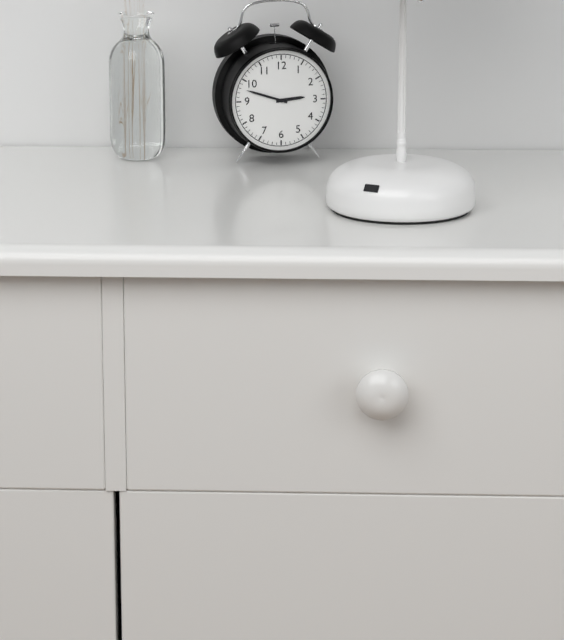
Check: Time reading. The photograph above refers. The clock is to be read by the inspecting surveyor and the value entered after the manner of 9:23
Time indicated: 2:48
